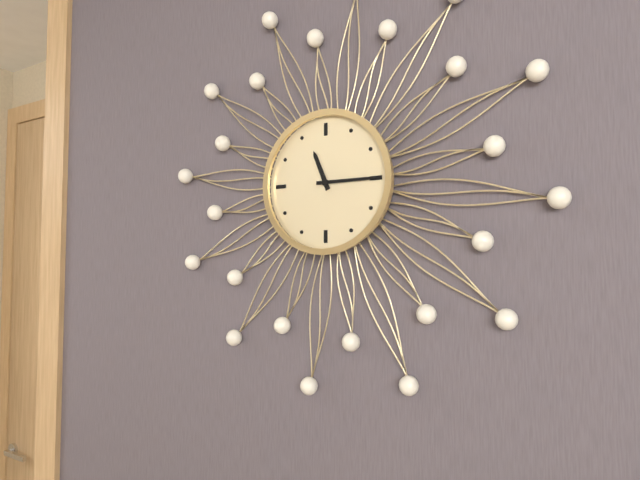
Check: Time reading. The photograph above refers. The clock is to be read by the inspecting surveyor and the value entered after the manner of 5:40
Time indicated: 11:15
